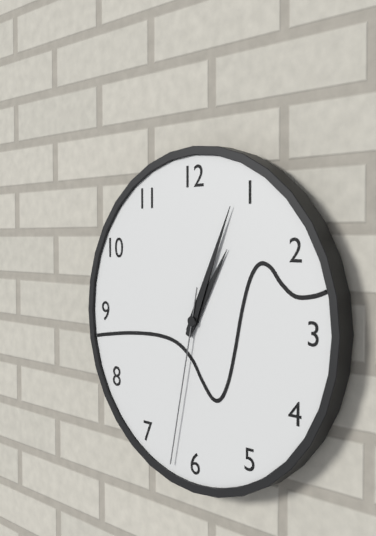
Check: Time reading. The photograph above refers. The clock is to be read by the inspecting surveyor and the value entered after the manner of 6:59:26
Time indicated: 1:04:32
